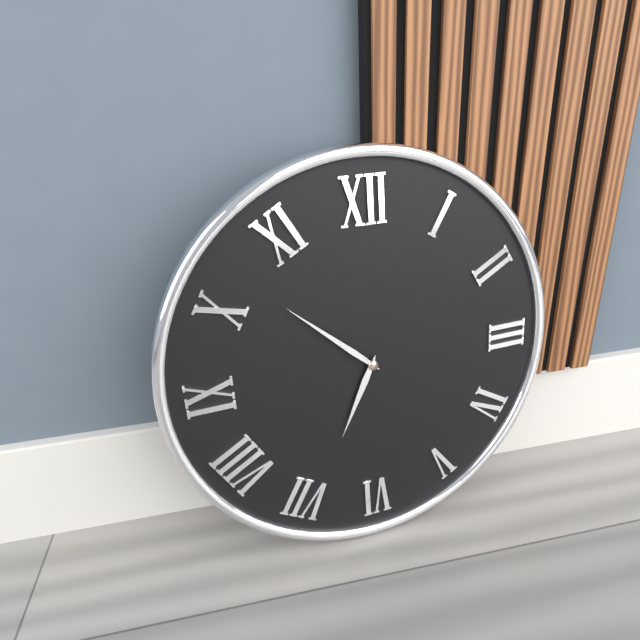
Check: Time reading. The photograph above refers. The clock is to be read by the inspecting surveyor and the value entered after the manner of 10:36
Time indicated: 6:52
